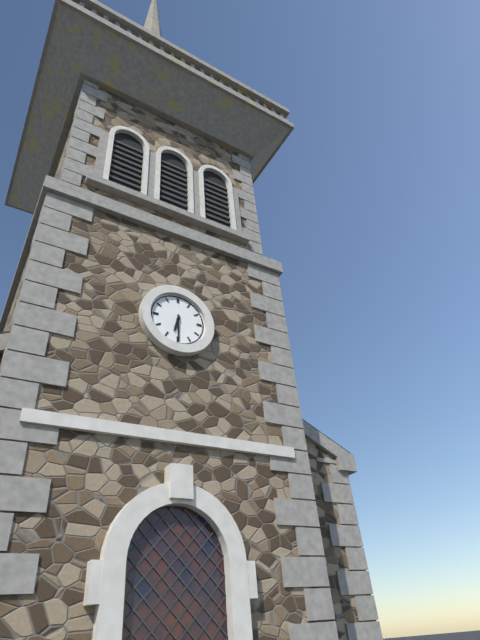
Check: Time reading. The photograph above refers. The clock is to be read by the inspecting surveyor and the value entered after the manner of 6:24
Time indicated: 6:30
